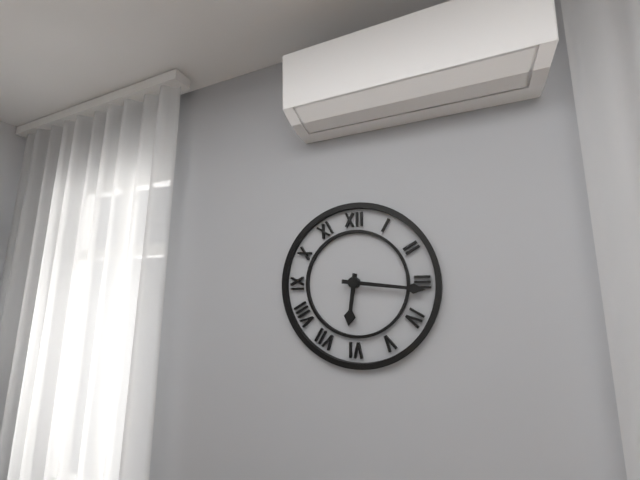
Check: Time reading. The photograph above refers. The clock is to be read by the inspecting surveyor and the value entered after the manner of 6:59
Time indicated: 6:16
